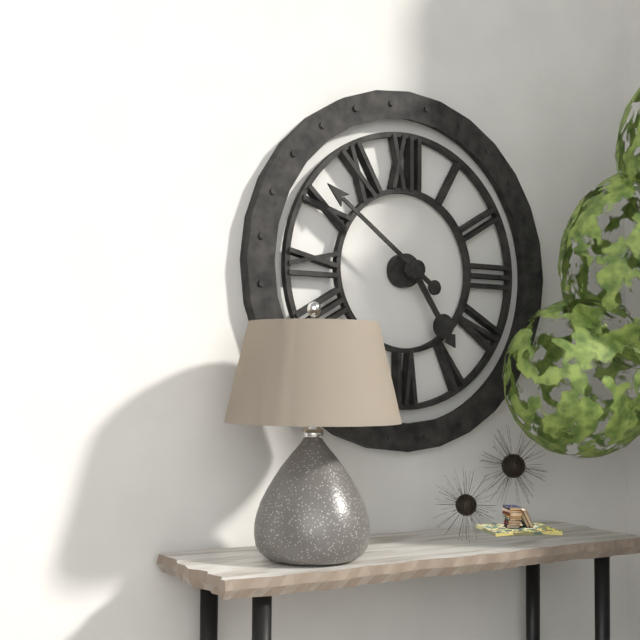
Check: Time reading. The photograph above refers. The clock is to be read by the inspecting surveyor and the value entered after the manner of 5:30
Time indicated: 4:51
